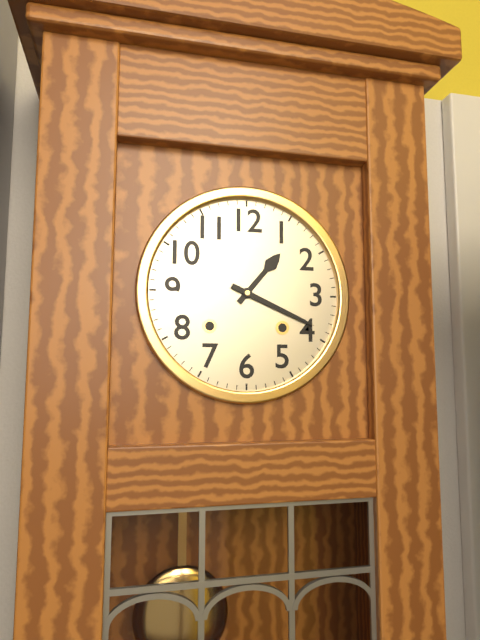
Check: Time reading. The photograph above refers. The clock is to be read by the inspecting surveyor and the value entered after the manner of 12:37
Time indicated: 1:19
